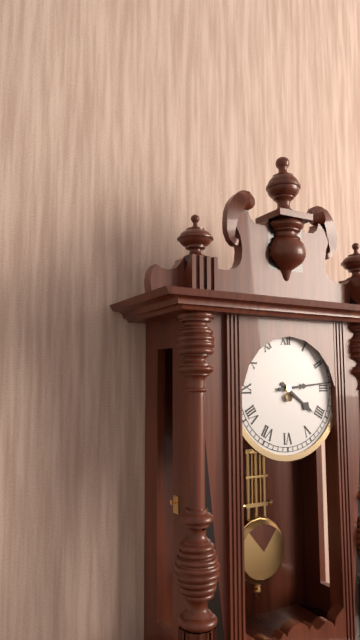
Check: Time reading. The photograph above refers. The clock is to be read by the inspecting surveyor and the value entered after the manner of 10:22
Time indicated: 4:14
